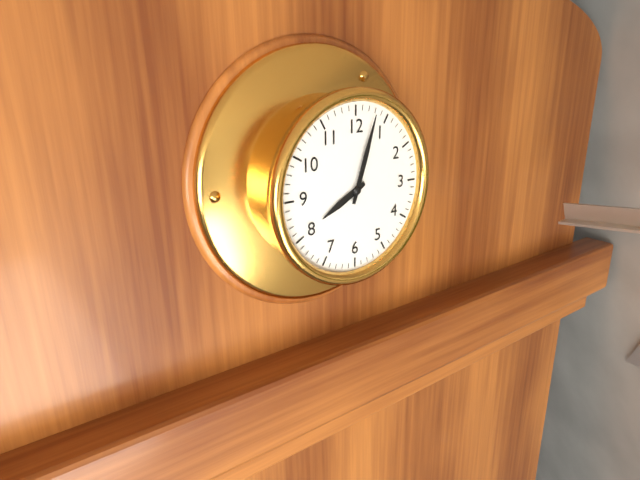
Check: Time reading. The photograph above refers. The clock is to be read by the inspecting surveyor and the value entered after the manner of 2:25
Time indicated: 8:03
